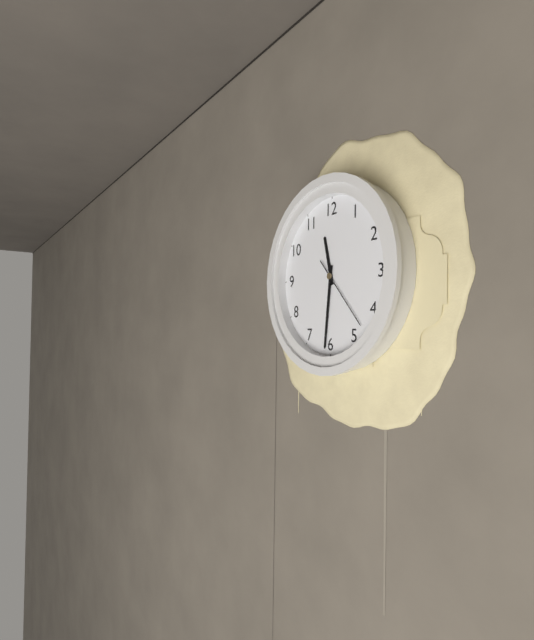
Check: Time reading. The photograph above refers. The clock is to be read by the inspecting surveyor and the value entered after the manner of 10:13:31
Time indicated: 11:31:23
